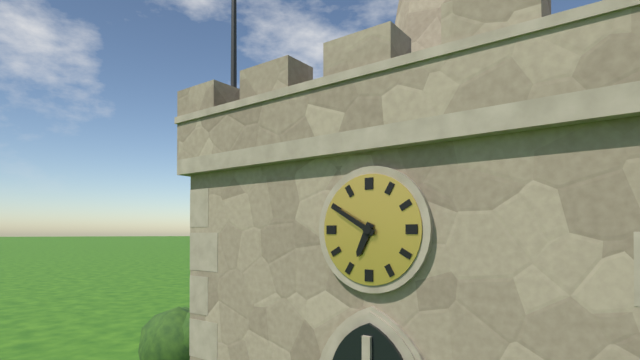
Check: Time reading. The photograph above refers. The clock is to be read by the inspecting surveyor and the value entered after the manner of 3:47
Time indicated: 6:50
